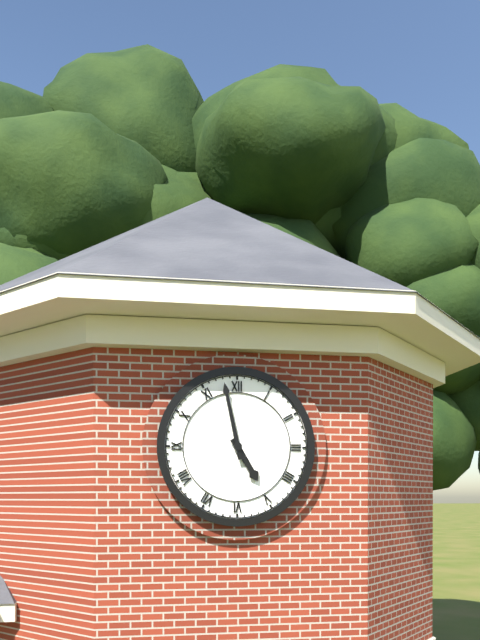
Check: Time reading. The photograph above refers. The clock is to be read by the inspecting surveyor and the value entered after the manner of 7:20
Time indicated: 4:58
